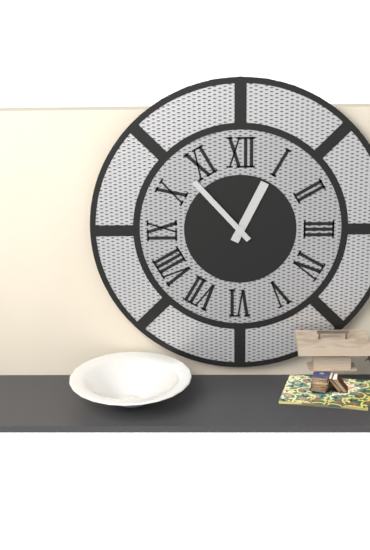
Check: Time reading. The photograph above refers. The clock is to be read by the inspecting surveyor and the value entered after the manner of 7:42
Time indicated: 12:53
